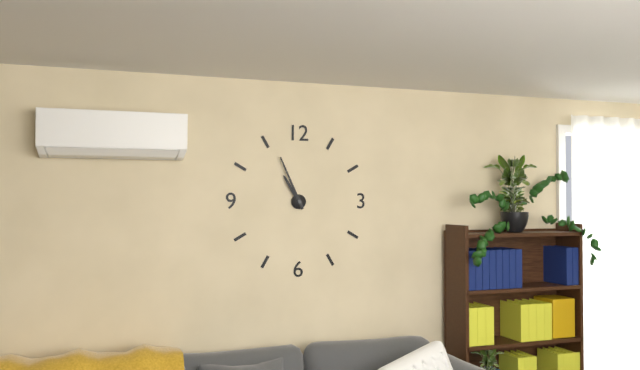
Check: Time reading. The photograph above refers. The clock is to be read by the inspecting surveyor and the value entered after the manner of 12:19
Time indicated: 10:56
